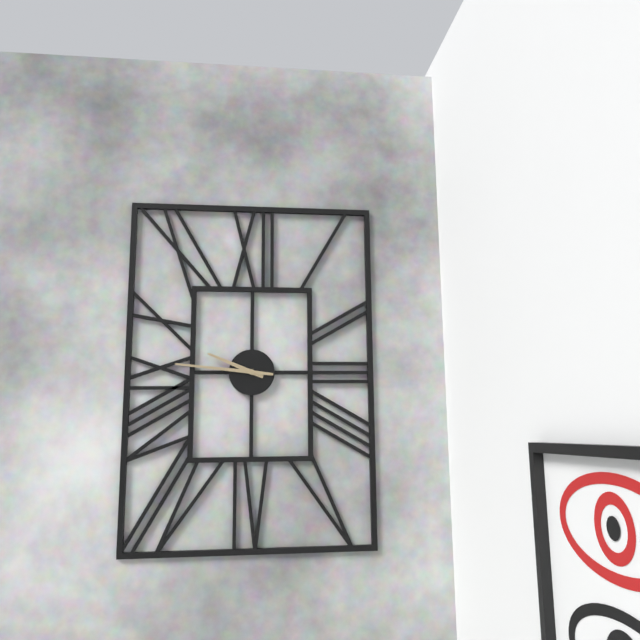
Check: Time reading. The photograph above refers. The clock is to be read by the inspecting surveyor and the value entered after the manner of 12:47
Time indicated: 9:46
